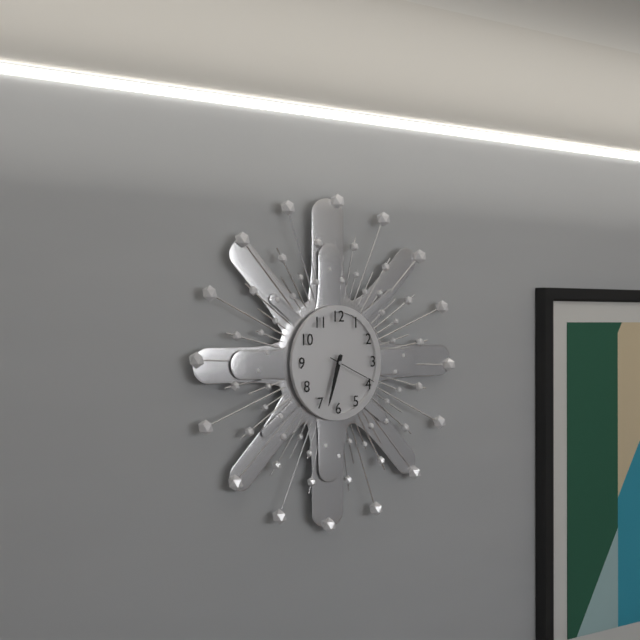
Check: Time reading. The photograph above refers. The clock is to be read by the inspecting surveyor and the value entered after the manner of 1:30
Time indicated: 6:33
